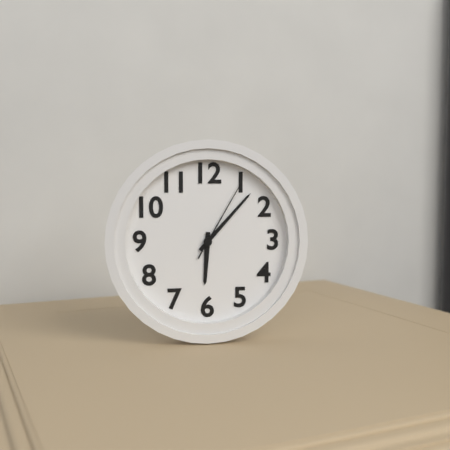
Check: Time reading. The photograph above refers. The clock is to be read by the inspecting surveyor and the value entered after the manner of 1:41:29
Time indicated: 6:07:05
